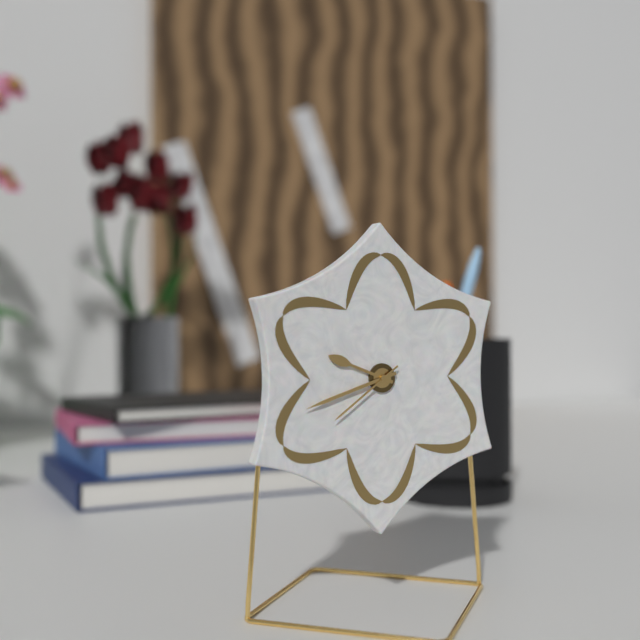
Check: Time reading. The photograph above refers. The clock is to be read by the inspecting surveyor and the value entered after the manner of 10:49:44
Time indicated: 9:42:39
